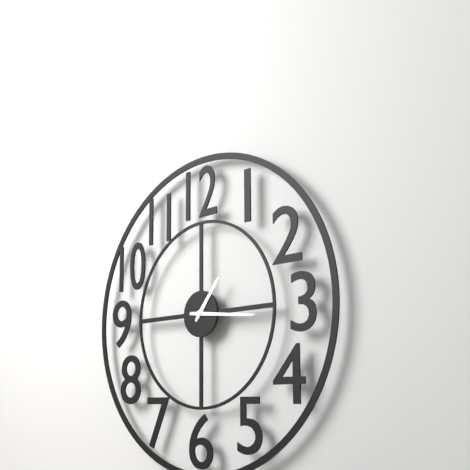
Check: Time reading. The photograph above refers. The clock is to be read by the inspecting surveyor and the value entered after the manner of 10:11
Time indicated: 1:16
